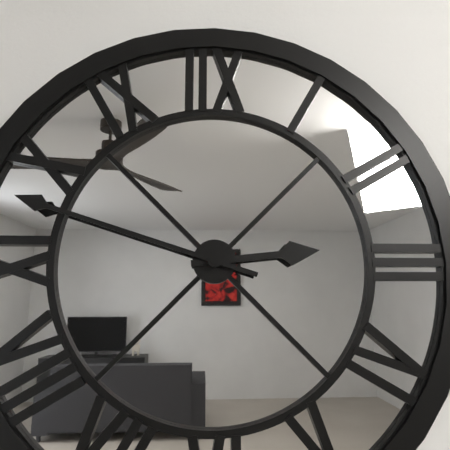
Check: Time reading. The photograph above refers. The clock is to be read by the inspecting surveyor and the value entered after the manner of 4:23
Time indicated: 2:48
